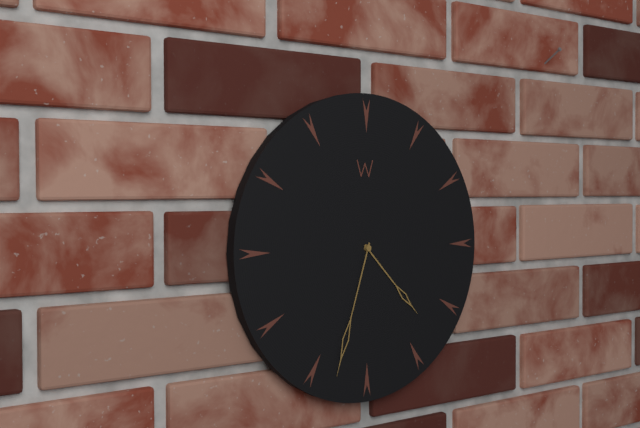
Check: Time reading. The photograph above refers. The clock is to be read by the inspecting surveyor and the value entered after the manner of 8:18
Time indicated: 4:33
